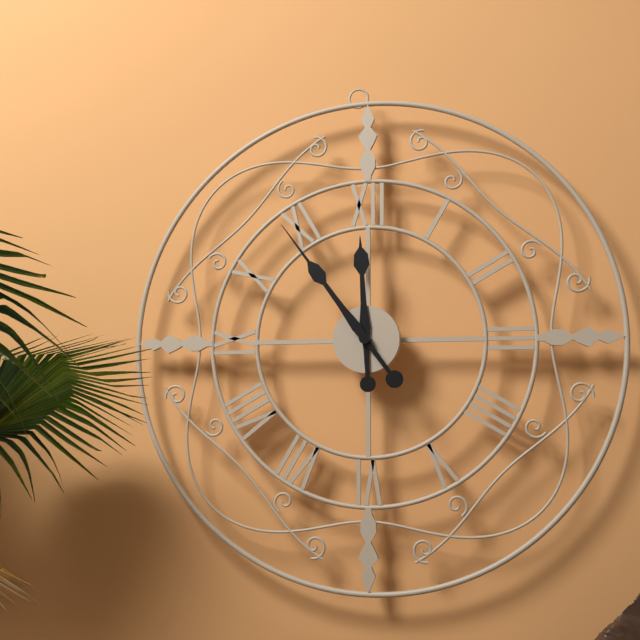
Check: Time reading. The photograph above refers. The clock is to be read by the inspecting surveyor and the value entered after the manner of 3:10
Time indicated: 11:54
